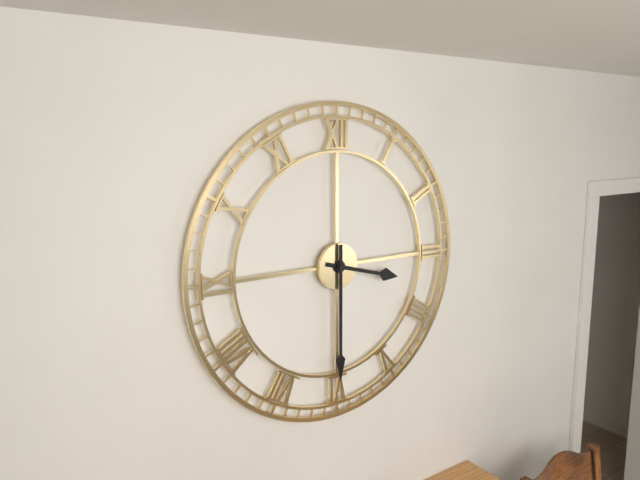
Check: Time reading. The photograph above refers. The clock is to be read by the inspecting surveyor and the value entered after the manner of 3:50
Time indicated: 3:30
